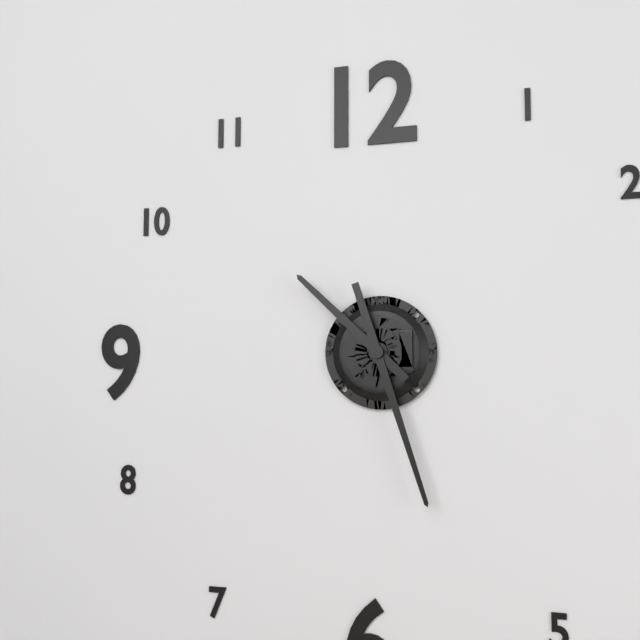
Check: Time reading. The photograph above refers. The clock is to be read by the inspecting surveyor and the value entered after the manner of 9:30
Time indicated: 10:27
